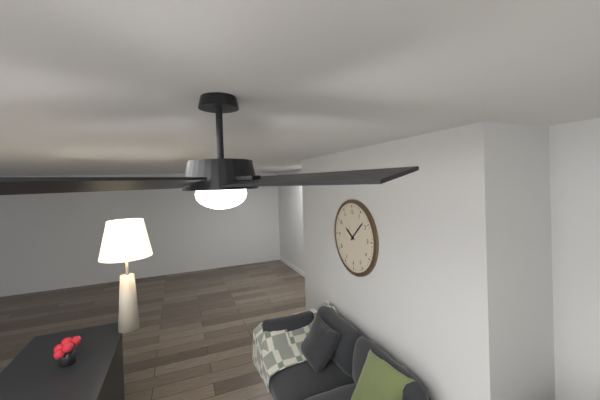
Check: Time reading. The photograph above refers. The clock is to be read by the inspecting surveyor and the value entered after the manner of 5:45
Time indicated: 10:08
